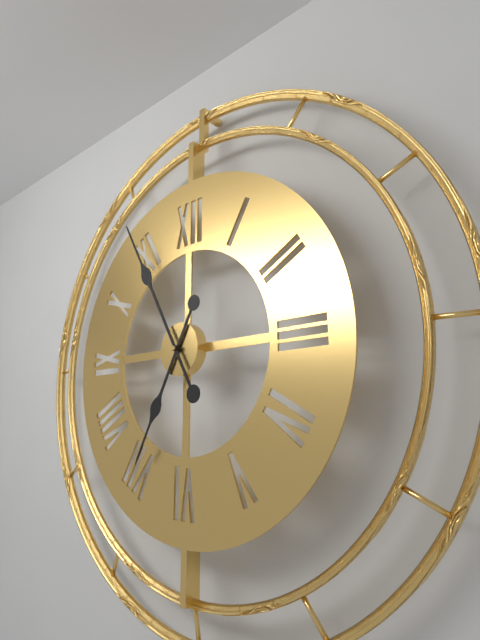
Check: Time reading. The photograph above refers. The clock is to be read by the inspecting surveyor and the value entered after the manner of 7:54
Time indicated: 6:55
